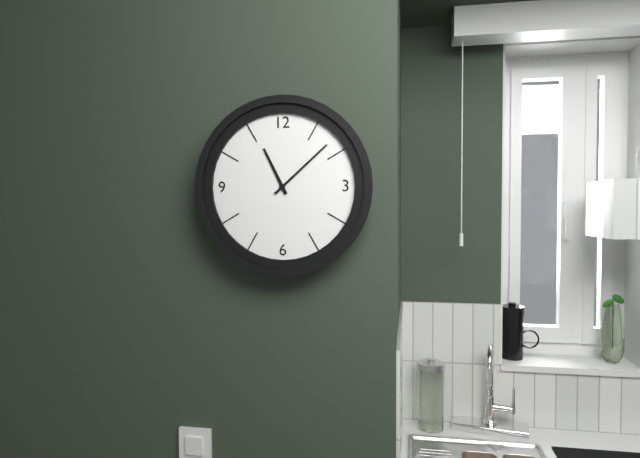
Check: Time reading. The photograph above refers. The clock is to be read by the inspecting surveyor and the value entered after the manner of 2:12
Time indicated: 11:08
